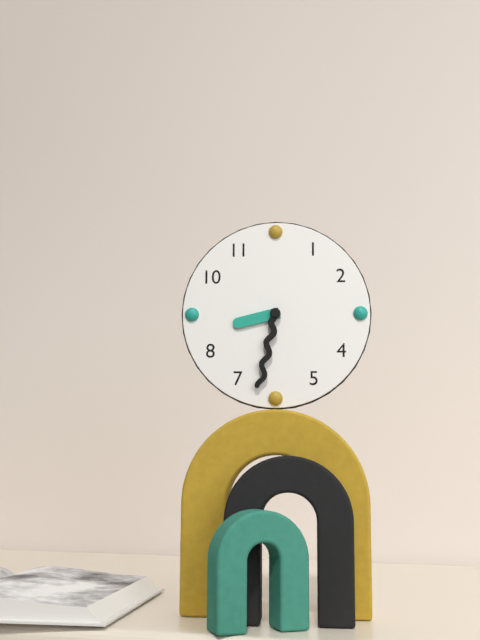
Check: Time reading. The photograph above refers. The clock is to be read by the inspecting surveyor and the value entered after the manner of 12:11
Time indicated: 8:32
